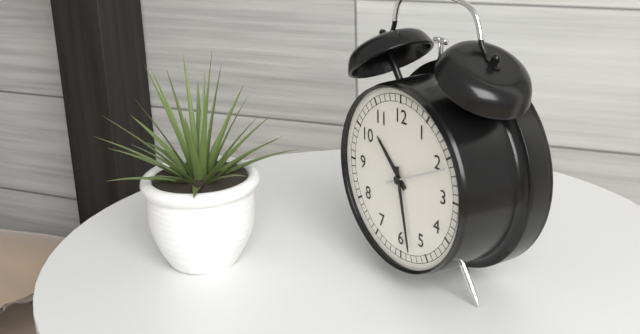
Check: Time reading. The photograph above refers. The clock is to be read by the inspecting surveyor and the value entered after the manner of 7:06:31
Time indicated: 10:28:11
